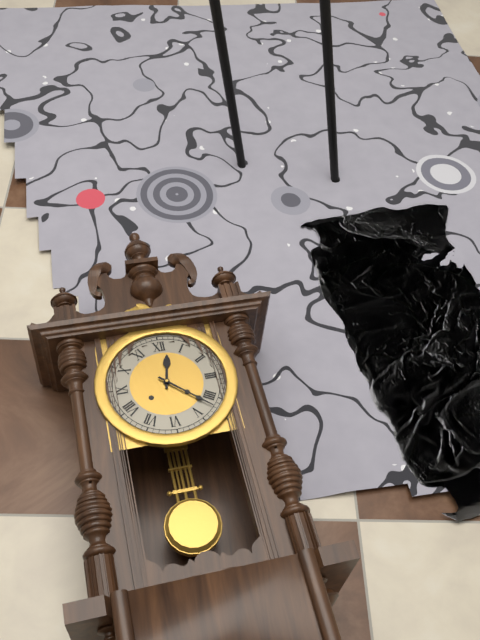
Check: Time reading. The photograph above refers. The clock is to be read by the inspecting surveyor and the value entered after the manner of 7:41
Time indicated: 12:22
